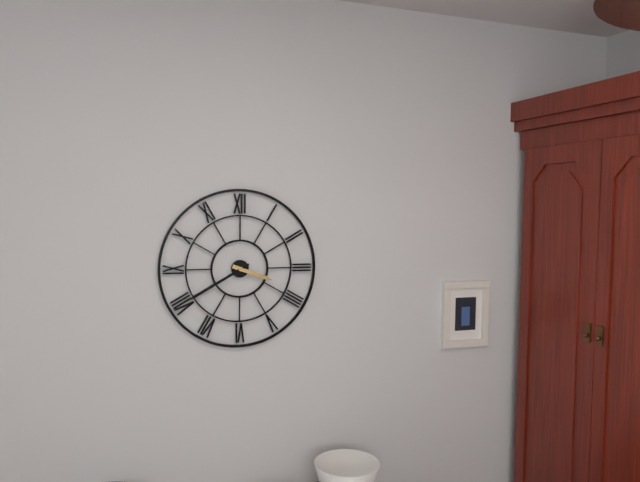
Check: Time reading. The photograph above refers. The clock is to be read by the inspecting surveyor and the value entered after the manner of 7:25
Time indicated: 3:40
